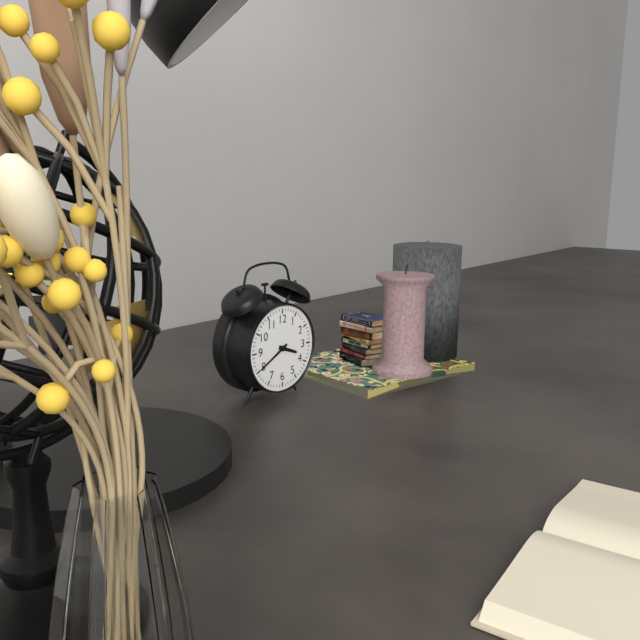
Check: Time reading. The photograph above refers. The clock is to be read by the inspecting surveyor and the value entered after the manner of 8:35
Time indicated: 3:40
